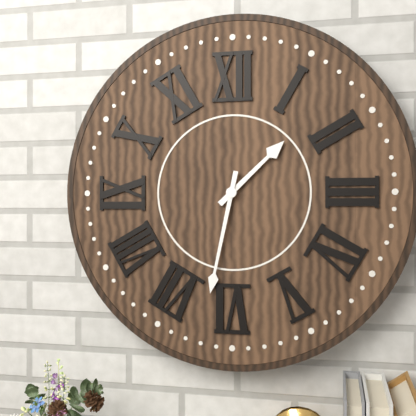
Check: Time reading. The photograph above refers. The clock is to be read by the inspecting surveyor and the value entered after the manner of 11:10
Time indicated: 1:32
